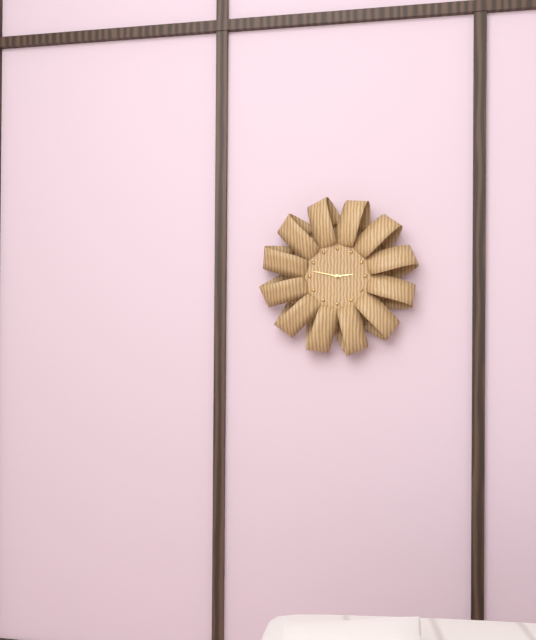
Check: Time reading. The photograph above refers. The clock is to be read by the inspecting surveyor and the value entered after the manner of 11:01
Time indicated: 2:47
